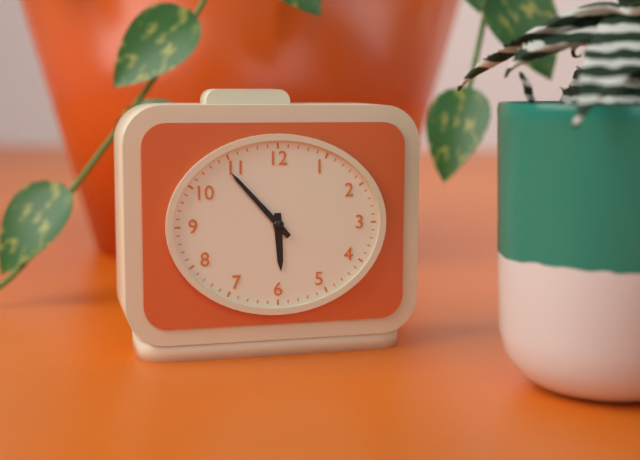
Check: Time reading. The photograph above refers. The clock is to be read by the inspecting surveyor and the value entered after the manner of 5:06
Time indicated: 5:53
